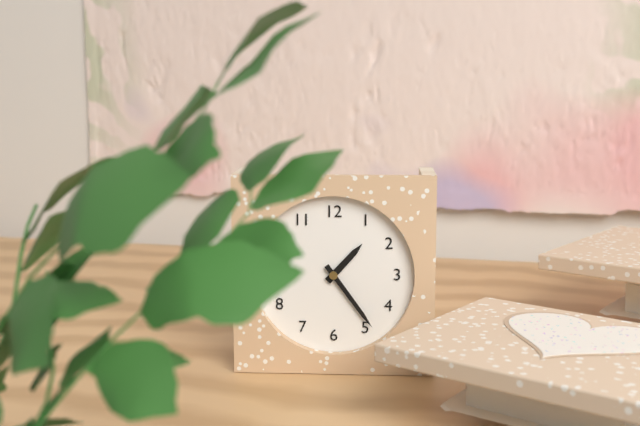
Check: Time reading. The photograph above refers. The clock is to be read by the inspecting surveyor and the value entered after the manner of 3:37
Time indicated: 1:24
